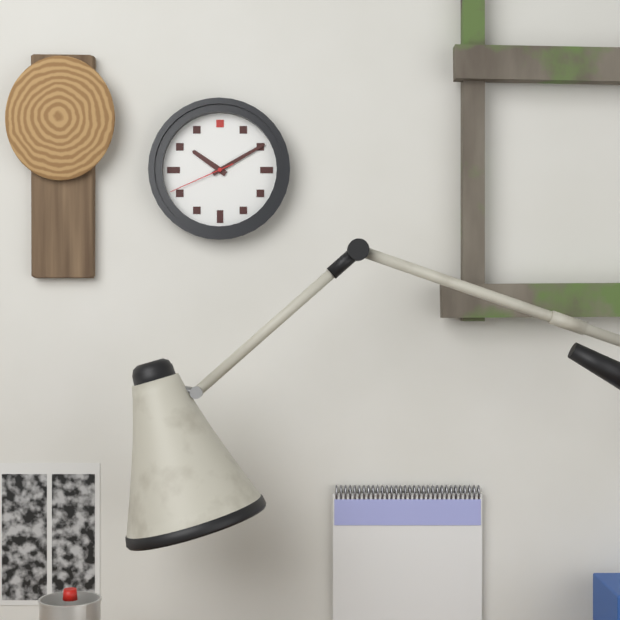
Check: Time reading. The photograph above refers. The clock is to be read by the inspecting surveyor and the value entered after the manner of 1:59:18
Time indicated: 10:10:41
